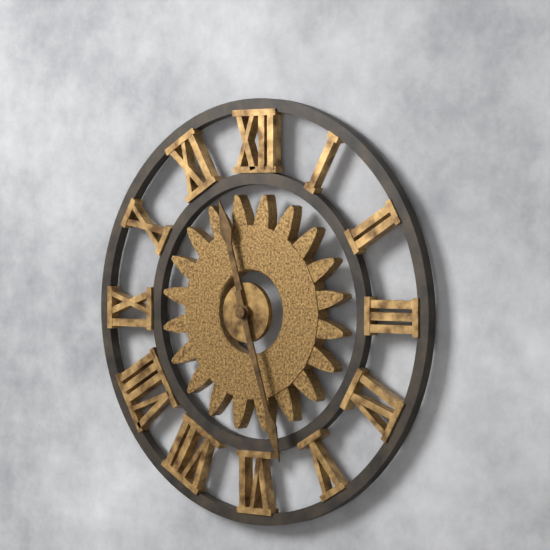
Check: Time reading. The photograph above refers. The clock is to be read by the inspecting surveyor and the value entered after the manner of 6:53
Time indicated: 11:27
